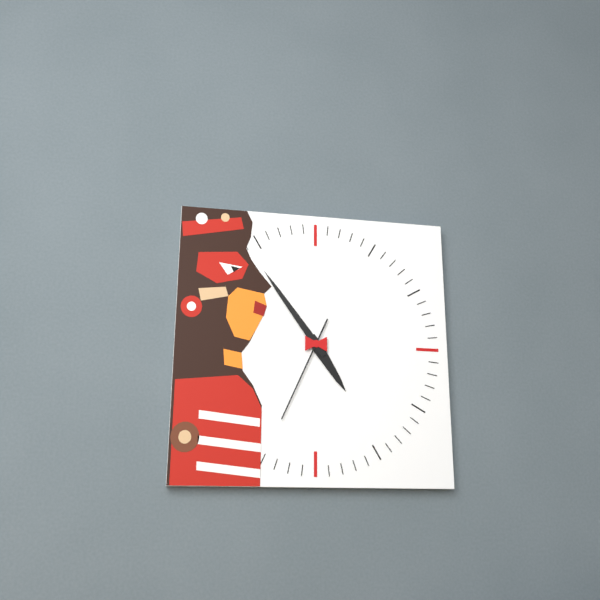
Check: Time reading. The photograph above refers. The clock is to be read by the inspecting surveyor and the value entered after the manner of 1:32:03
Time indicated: 4:54:34
